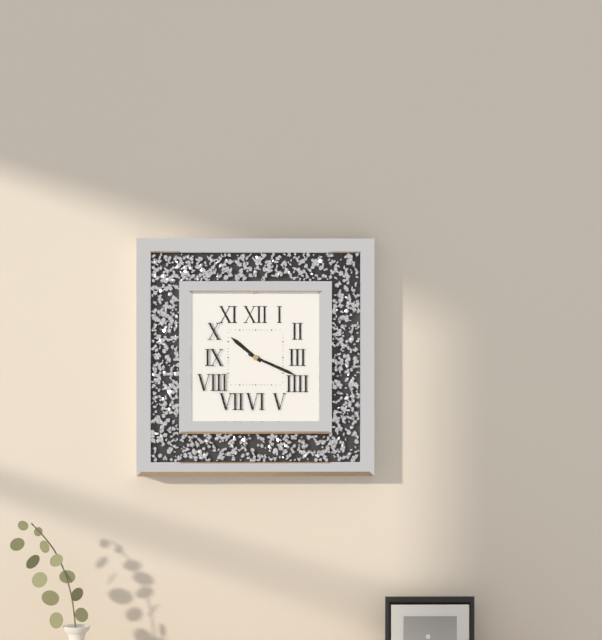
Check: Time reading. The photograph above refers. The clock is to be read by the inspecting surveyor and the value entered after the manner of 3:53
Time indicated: 10:19
